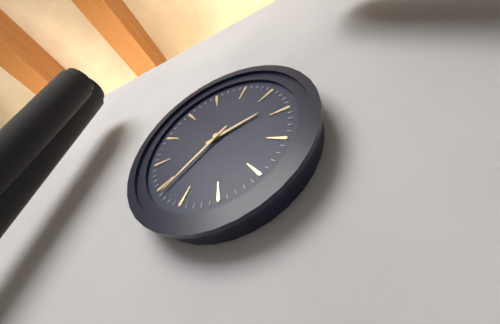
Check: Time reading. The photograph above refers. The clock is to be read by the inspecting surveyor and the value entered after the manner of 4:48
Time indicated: 2:39
